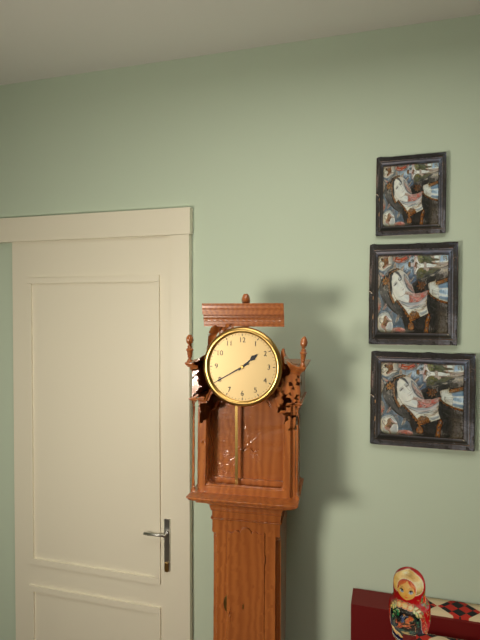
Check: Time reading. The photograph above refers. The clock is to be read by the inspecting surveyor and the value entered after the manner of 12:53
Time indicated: 1:40
